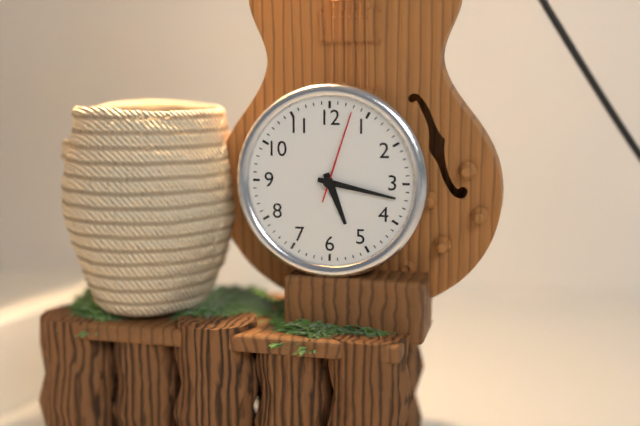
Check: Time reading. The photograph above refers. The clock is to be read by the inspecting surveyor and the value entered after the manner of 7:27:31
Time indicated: 5:17:03
